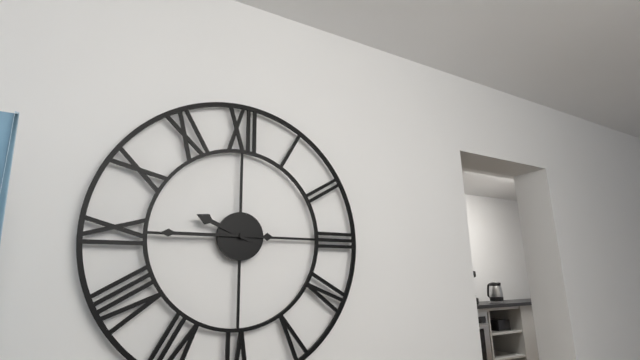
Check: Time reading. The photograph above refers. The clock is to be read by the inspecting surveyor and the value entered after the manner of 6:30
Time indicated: 9:45
